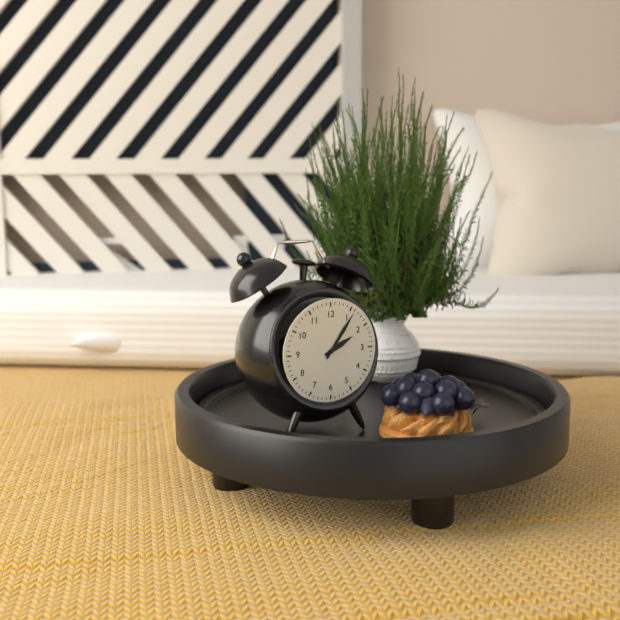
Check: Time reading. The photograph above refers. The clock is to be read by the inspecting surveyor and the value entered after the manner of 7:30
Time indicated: 2:06
